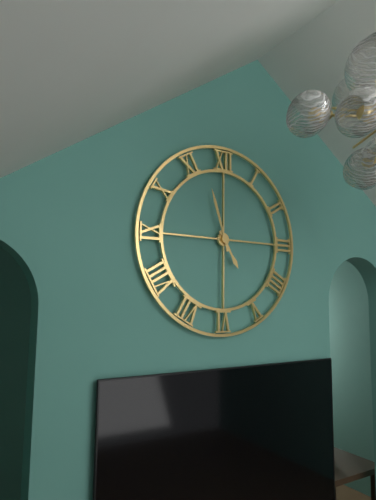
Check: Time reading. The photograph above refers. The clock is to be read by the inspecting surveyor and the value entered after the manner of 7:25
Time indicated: 4:57
